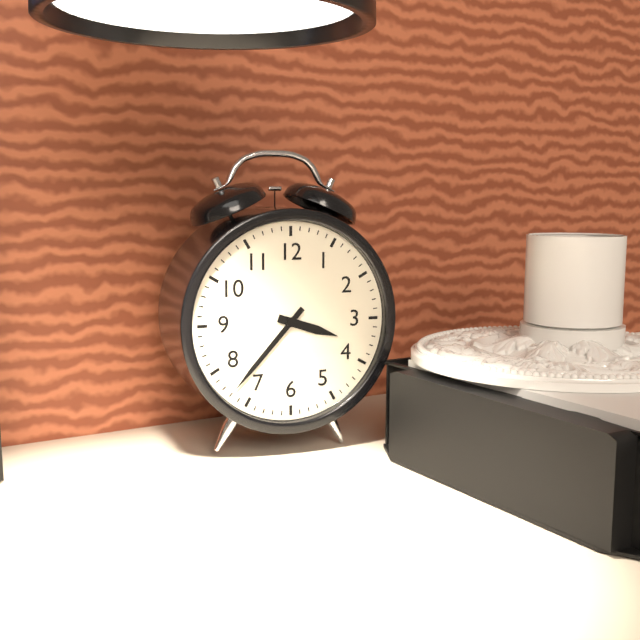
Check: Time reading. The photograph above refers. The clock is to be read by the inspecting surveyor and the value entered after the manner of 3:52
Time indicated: 3:37
